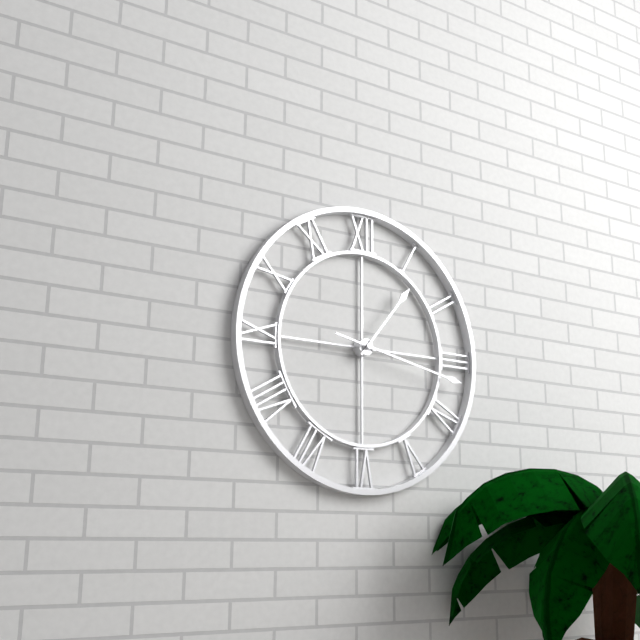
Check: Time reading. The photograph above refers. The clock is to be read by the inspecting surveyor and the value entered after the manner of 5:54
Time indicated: 1:17
